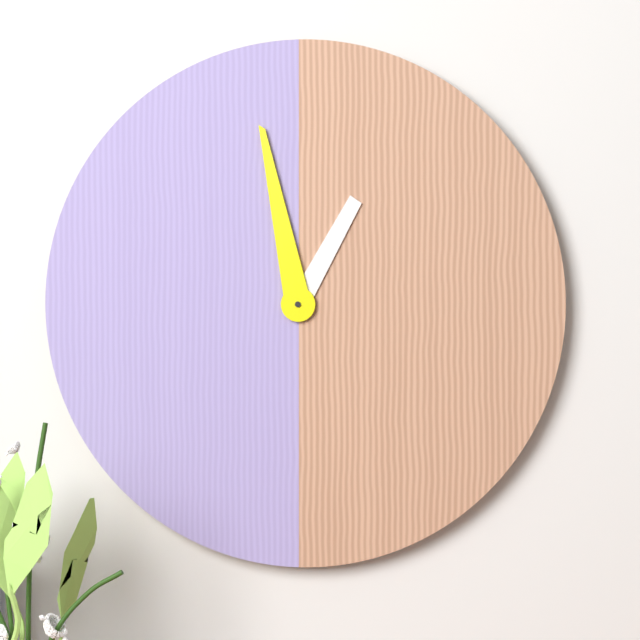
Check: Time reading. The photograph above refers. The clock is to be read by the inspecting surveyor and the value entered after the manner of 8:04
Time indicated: 12:58
